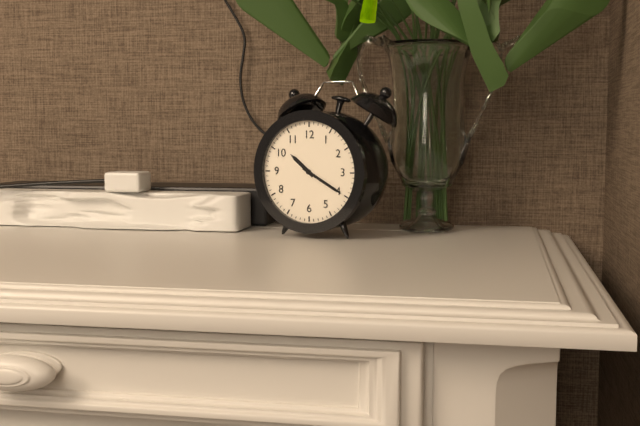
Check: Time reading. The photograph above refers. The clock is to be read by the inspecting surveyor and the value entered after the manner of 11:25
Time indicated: 10:20
